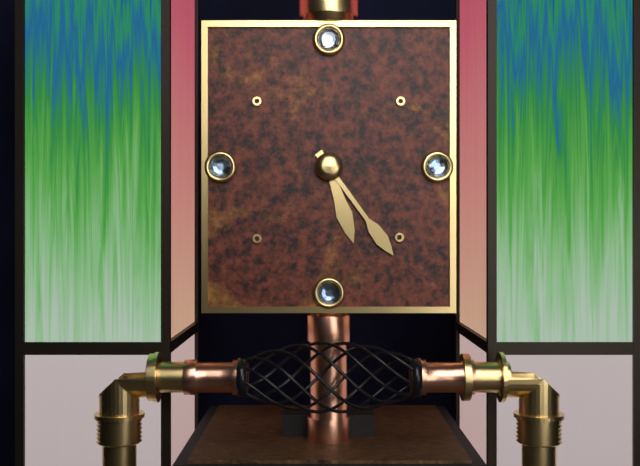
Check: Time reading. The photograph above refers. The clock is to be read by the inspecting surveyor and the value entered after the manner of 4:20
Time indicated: 5:24
